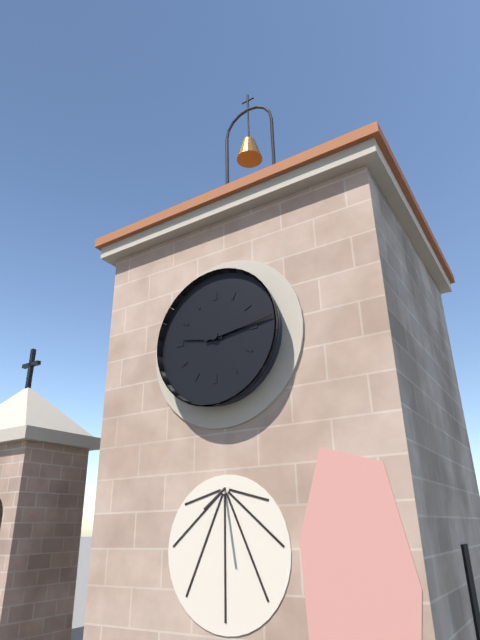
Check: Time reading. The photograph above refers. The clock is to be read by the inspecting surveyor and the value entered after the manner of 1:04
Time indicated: 9:14
